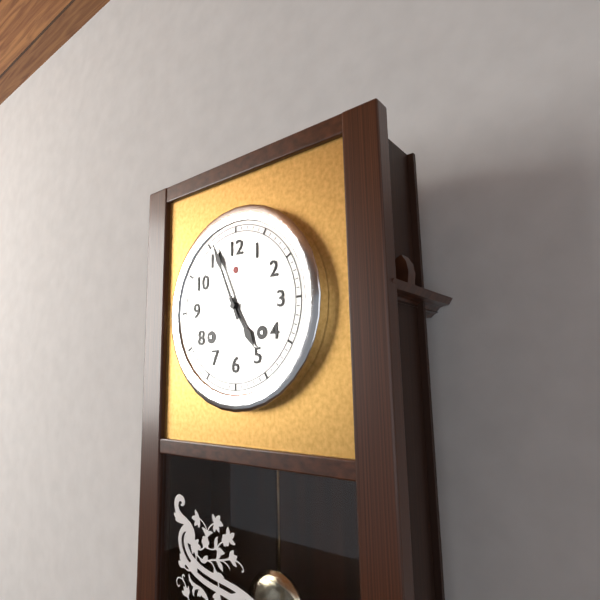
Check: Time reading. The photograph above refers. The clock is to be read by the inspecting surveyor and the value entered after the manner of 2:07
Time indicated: 4:56
